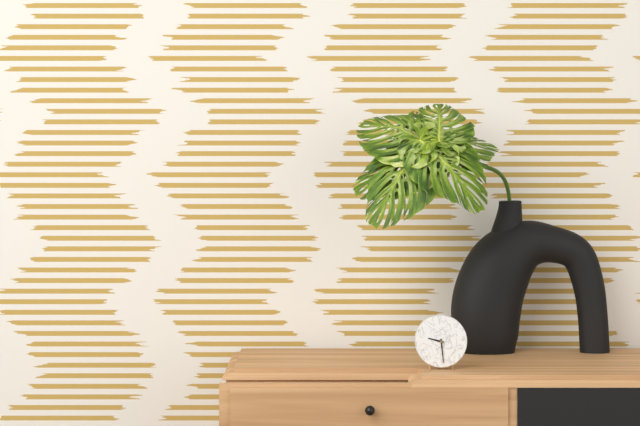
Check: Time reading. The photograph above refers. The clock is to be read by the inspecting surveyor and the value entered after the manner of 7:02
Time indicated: 9:29
